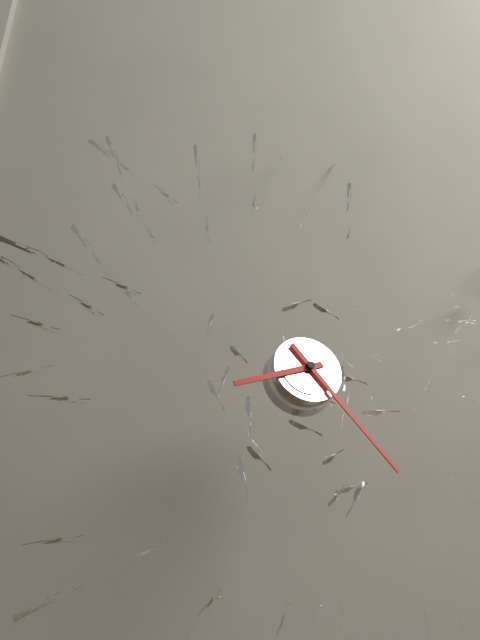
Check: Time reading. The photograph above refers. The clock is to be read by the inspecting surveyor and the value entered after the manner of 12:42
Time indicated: 8:24
